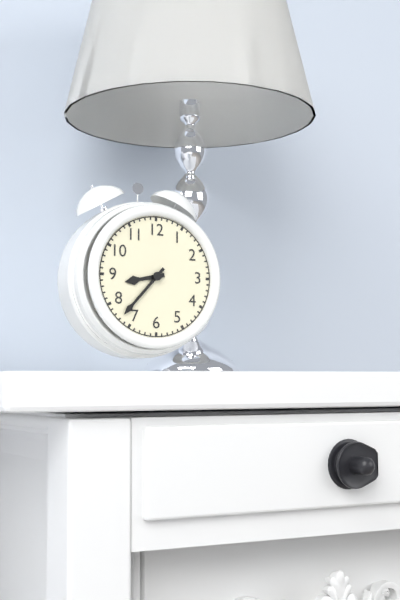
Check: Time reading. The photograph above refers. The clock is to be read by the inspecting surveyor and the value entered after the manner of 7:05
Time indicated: 8:37
